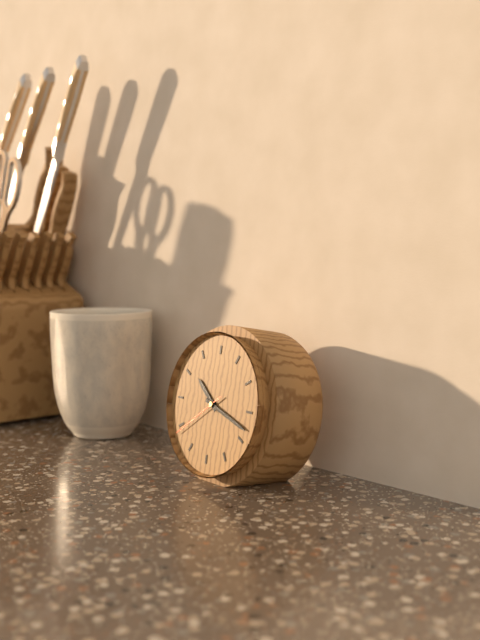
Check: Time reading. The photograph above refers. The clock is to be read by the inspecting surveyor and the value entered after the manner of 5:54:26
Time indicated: 10:18:39
